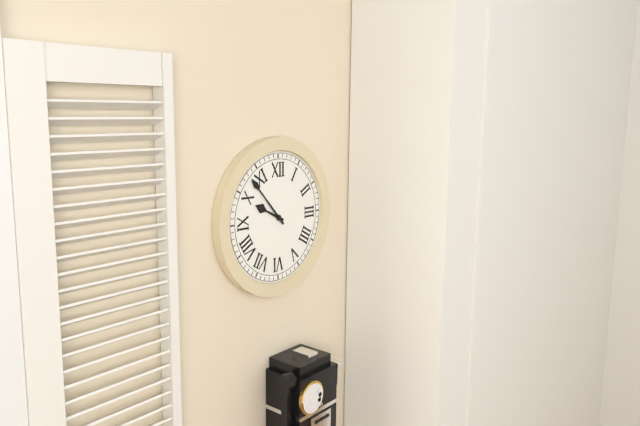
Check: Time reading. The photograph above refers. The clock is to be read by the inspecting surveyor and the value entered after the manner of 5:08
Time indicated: 9:53
